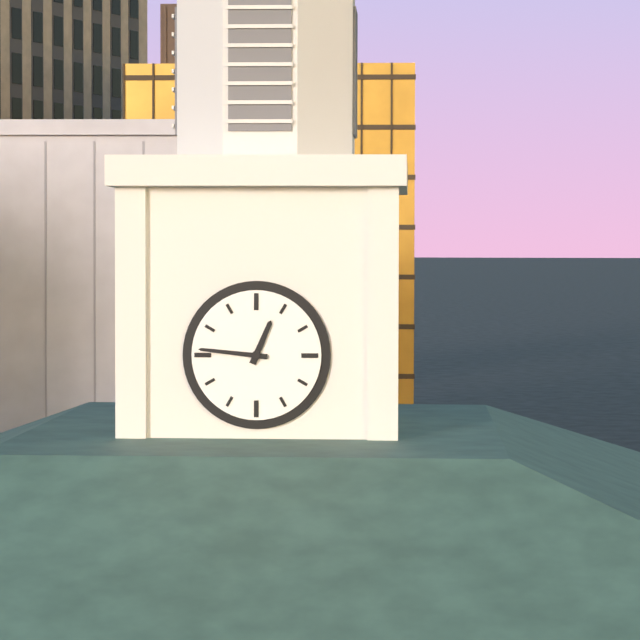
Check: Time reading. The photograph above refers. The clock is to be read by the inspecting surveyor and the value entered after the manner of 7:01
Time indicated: 12:46
